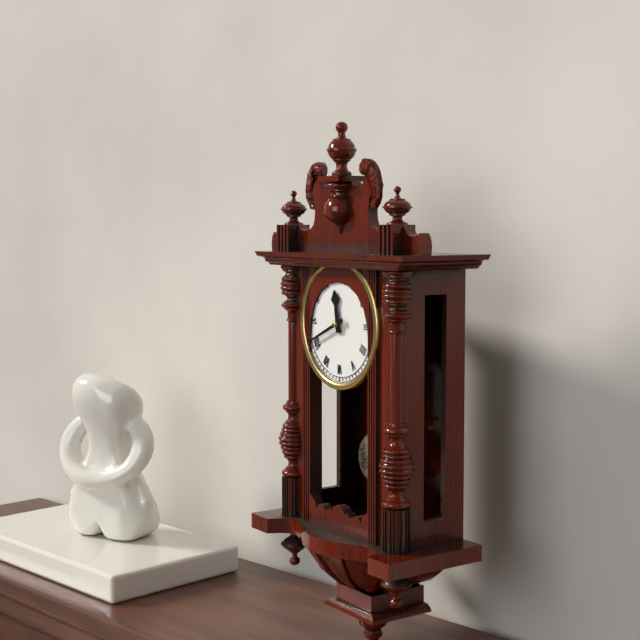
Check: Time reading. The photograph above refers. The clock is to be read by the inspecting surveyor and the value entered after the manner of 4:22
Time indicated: 11:41
